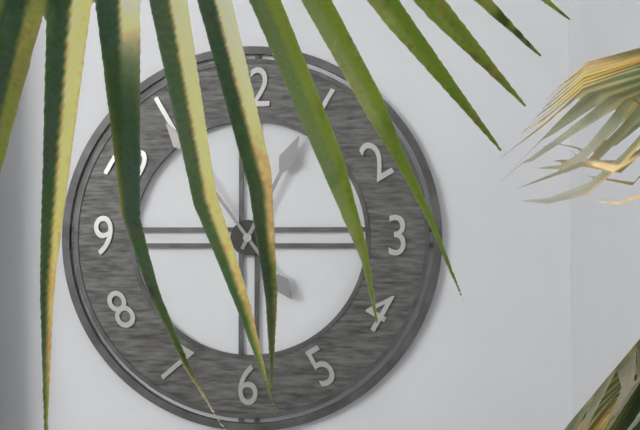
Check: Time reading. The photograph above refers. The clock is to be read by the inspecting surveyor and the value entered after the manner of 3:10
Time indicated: 12:54
